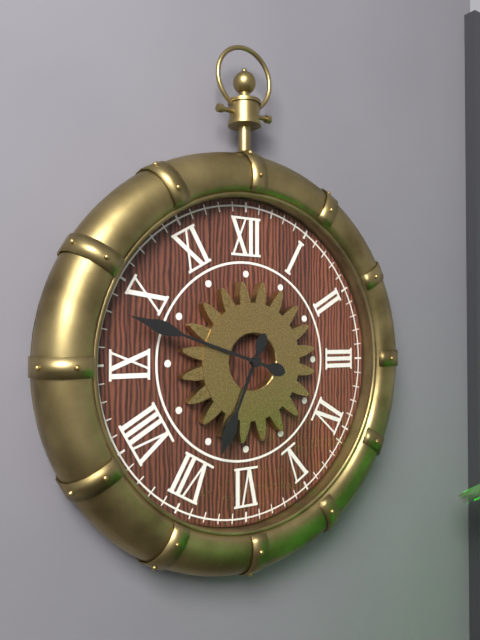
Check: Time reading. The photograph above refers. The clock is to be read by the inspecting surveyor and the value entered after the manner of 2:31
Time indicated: 6:48
